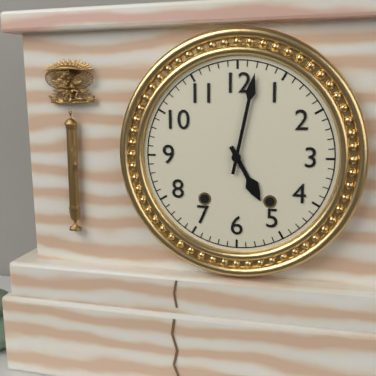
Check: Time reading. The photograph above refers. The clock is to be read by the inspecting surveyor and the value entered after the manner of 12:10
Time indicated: 5:02
